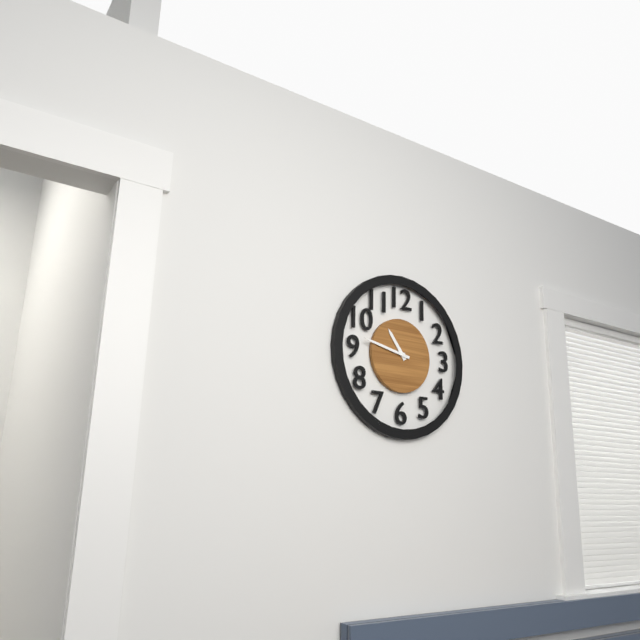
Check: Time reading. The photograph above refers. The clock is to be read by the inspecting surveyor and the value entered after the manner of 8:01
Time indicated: 10:47
